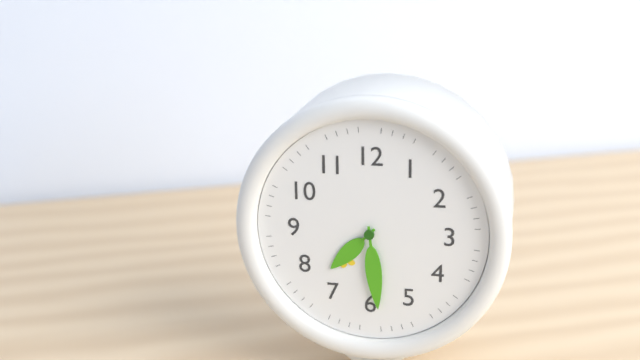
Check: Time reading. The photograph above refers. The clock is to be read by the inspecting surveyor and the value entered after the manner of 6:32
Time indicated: 7:29
